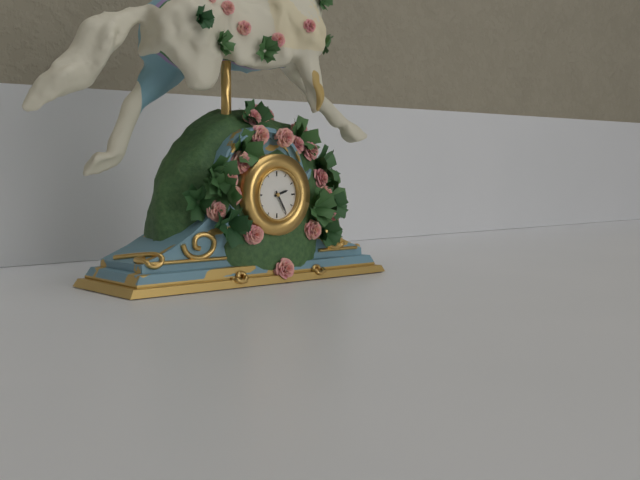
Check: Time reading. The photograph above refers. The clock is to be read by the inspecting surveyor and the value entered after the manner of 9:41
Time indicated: 2:25
